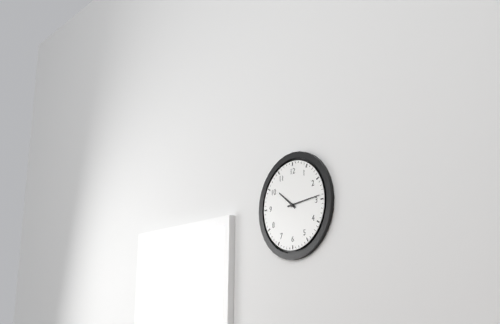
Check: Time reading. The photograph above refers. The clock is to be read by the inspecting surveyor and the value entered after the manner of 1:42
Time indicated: 10:14
